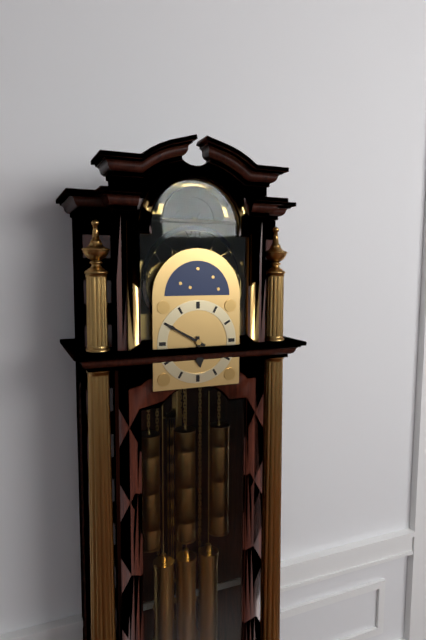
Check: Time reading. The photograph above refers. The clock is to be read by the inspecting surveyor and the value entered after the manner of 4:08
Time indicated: 5:50
